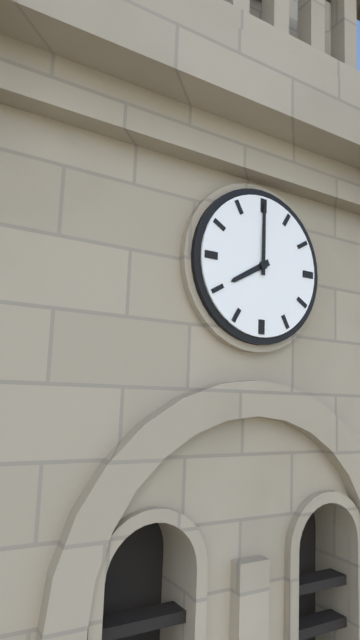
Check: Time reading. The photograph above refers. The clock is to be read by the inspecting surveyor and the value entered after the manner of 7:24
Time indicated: 8:00
